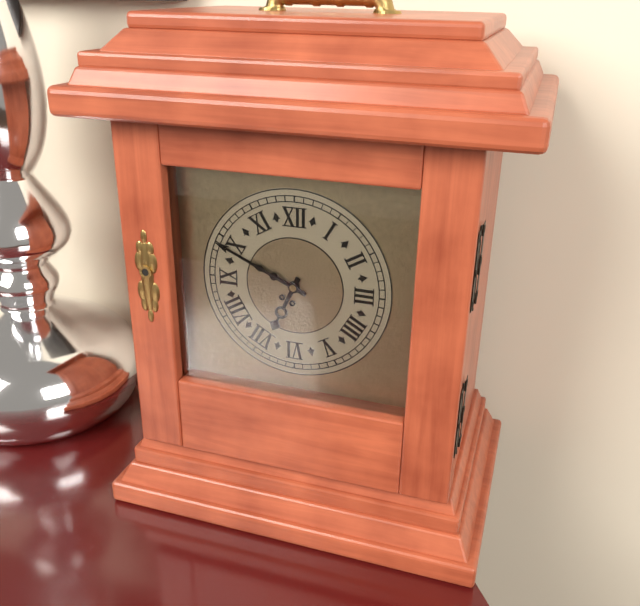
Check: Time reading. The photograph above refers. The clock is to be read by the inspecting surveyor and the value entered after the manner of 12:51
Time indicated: 6:49
